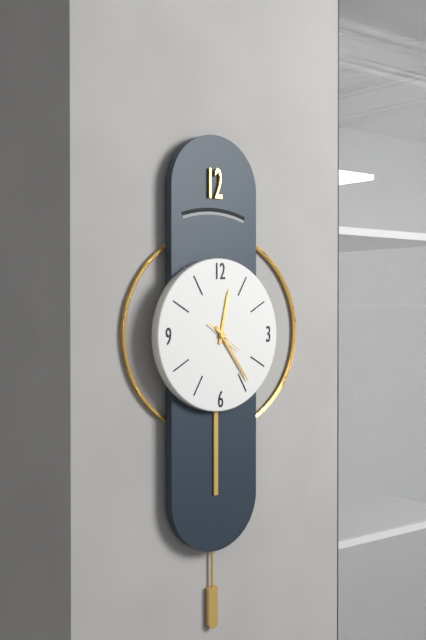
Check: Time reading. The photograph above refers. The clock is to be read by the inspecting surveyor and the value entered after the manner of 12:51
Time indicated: 12:24
